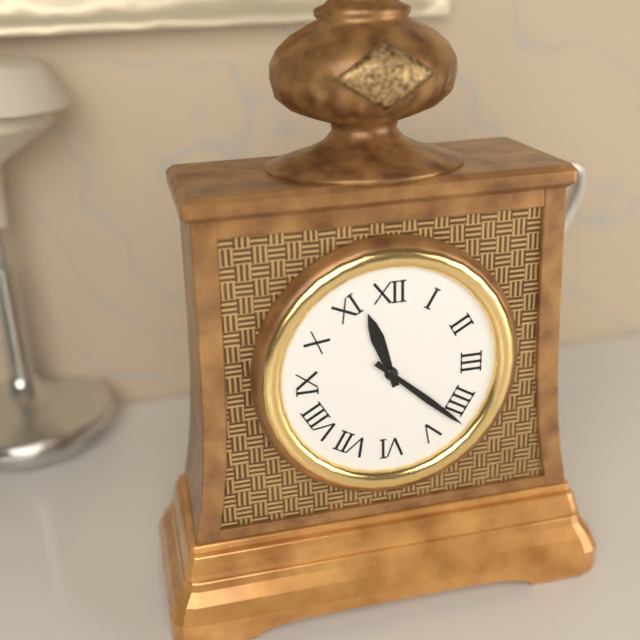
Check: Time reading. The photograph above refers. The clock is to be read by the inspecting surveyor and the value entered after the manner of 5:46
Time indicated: 11:22
